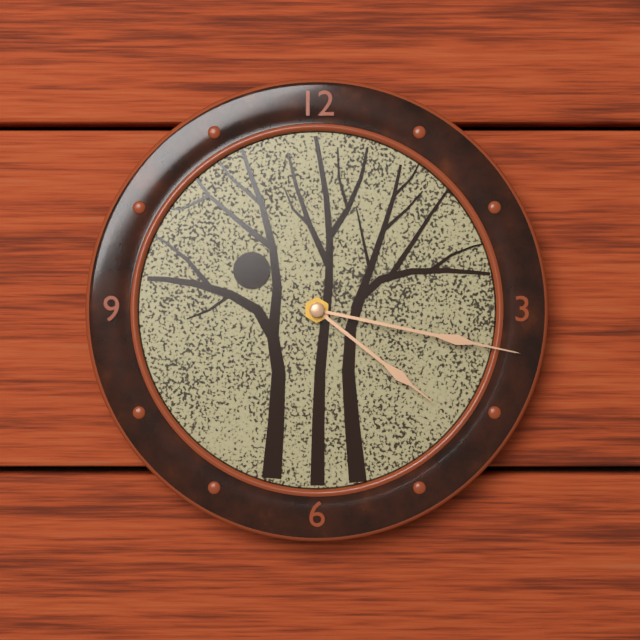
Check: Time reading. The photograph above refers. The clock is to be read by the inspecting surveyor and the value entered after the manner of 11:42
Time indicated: 4:17
